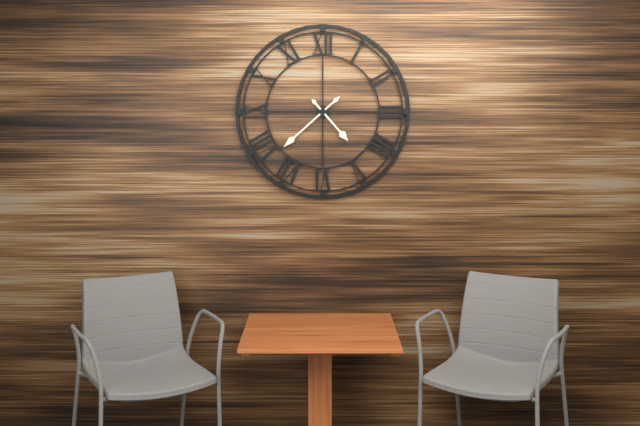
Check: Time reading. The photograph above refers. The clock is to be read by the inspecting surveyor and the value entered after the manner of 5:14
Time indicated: 4:38
